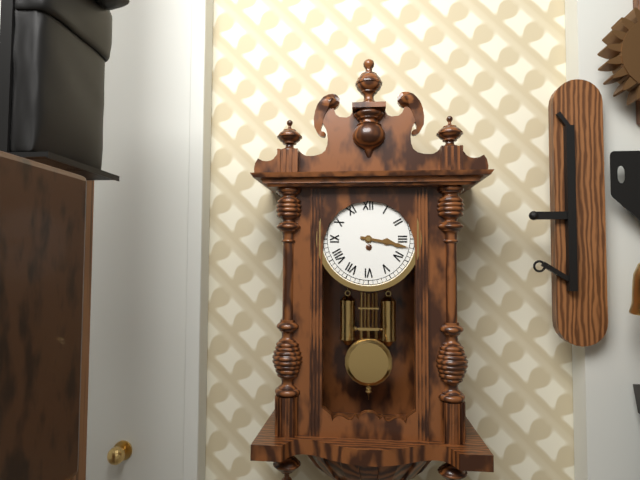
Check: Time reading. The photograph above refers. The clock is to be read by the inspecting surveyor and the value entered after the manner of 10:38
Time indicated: 3:17
